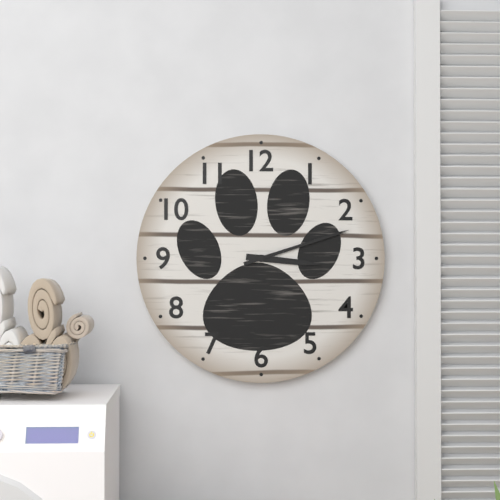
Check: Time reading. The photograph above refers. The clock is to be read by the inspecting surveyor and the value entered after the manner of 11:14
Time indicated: 3:12
